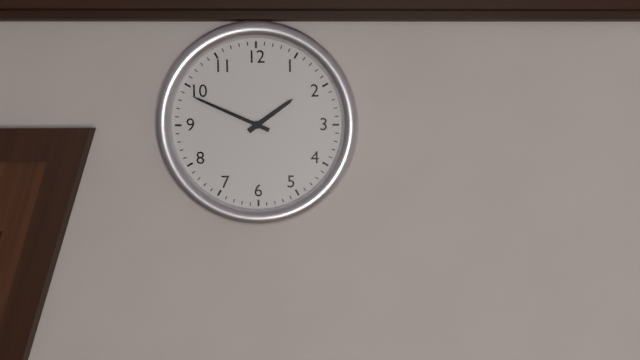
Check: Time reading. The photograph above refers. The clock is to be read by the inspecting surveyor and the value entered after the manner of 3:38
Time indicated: 1:49
